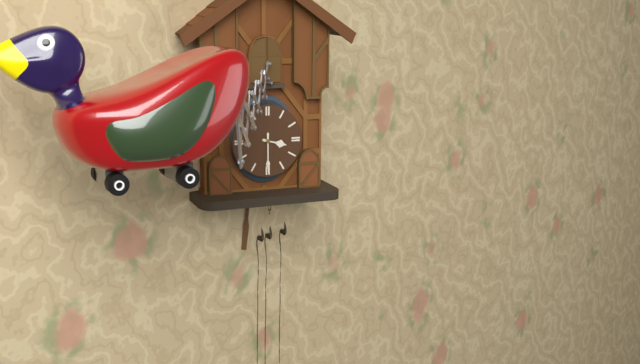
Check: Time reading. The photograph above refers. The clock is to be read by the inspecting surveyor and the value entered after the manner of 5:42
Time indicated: 3:30
